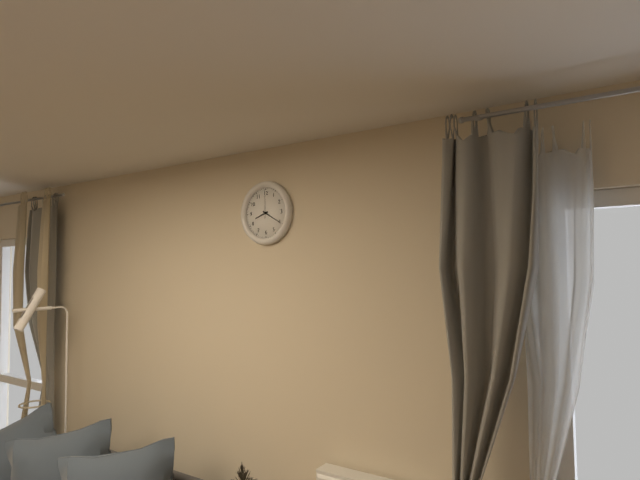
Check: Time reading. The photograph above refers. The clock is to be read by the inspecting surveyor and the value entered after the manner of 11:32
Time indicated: 8:20
